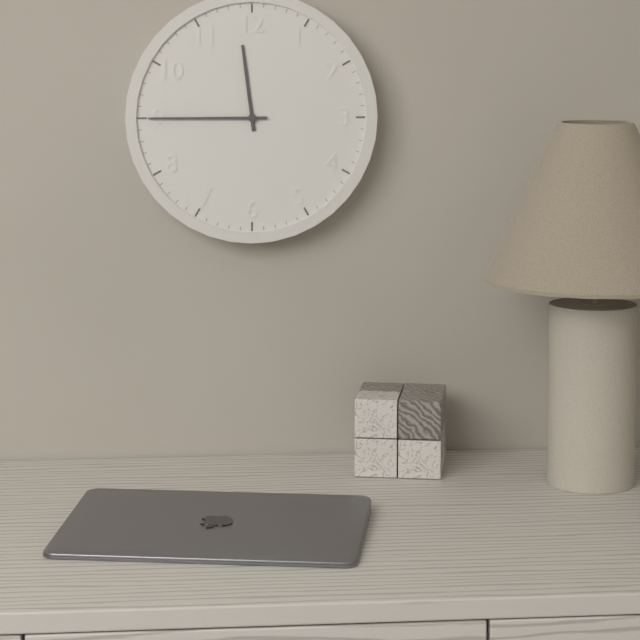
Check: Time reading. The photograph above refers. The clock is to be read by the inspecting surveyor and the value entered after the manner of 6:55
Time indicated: 11:45
